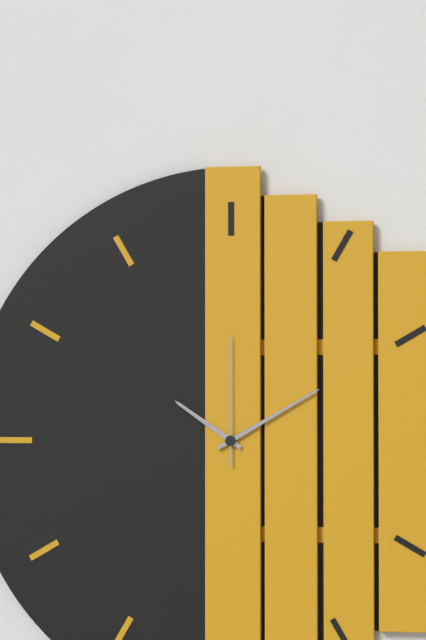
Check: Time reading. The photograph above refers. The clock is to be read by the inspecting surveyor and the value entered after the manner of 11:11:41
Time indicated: 10:10:00
